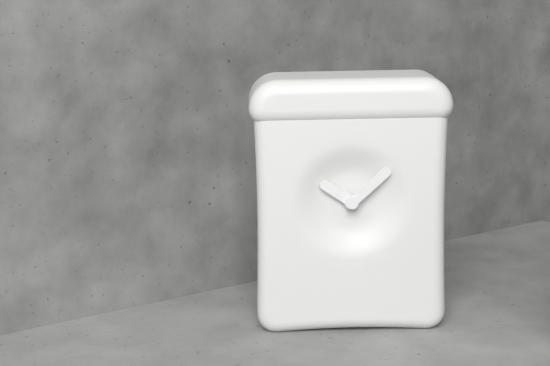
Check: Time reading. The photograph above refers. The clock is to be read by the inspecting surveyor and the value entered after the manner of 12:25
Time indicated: 10:08
